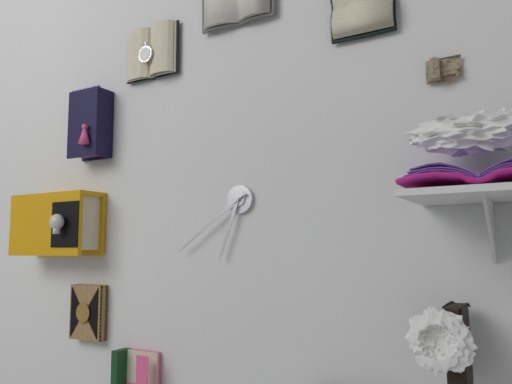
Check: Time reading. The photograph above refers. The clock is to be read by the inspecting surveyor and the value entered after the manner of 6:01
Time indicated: 6:39
